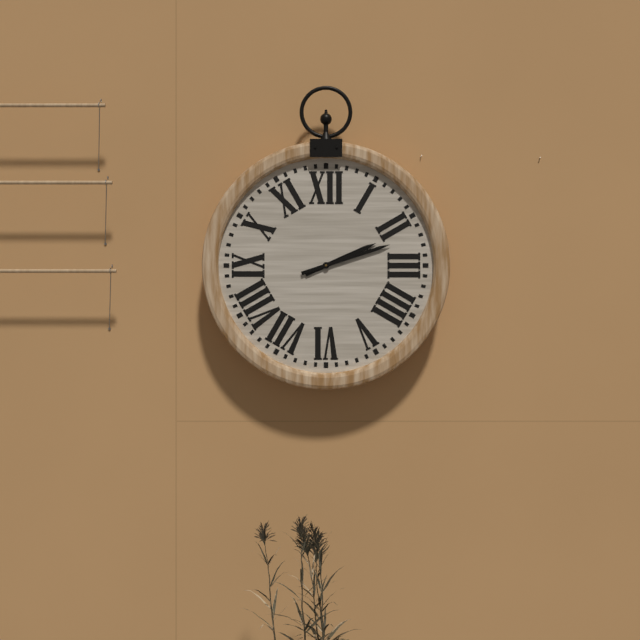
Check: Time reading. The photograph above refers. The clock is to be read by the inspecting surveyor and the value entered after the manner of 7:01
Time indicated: 2:12
